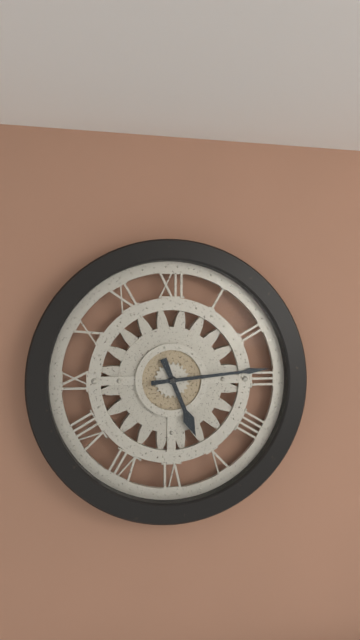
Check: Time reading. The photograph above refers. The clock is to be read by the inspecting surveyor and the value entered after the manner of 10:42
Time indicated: 5:14
